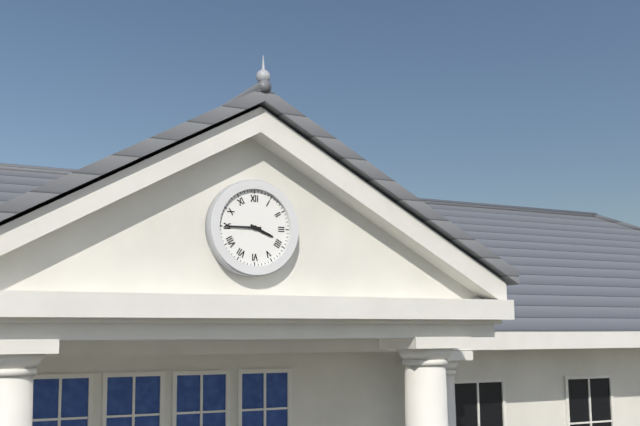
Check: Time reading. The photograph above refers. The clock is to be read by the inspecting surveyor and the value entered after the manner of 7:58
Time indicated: 3:45
